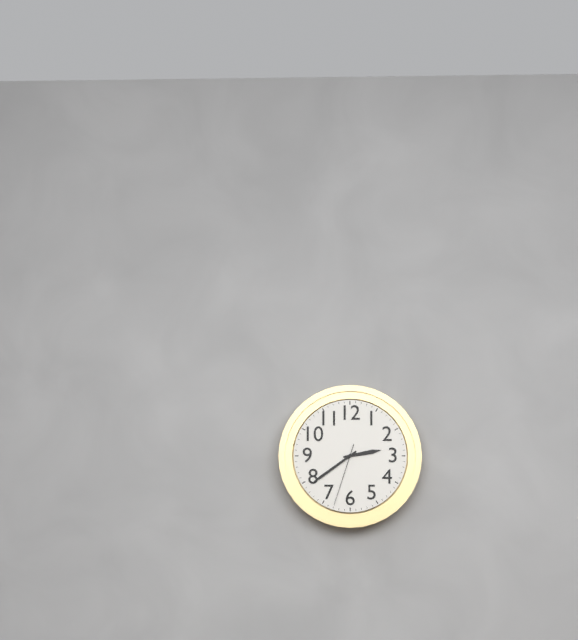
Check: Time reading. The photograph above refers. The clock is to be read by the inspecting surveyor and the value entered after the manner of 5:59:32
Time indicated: 2:39:33
